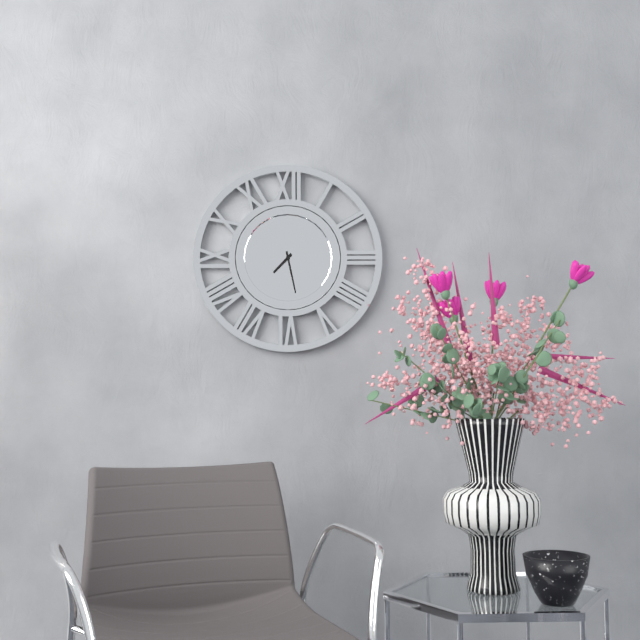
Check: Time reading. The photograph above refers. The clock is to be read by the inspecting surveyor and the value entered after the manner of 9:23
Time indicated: 7:28
